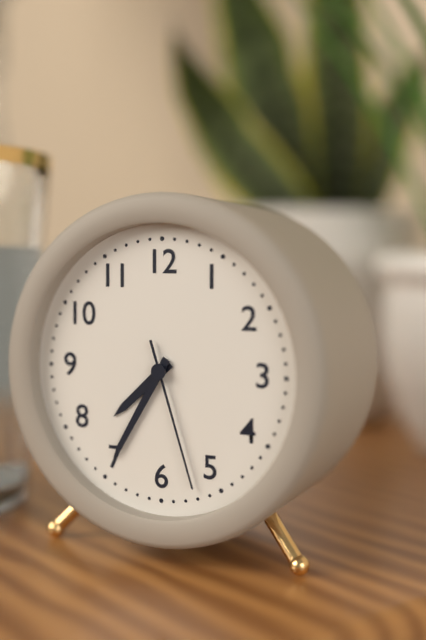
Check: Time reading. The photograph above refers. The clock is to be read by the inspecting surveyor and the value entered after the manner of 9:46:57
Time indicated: 7:35:27
